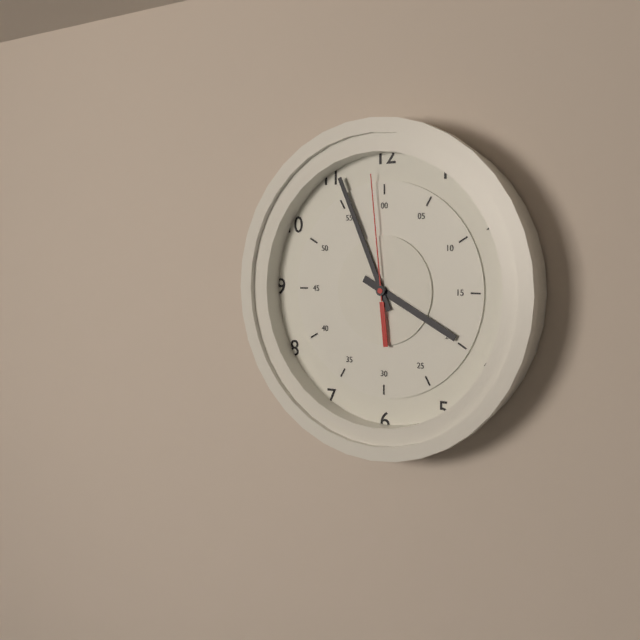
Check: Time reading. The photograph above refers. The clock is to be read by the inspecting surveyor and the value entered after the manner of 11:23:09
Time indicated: 3:56:59
